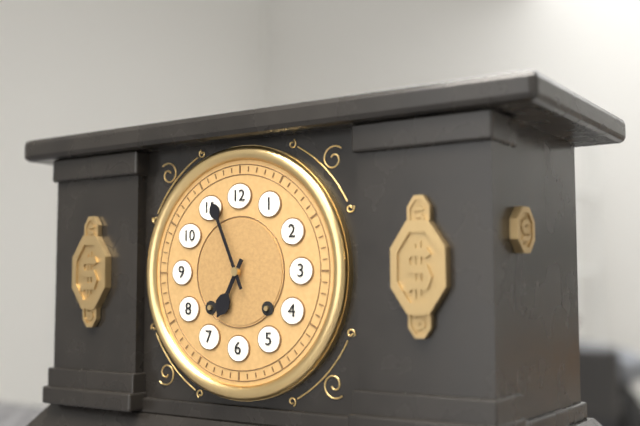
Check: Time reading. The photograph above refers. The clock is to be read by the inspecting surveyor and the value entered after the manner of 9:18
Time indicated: 6:56
